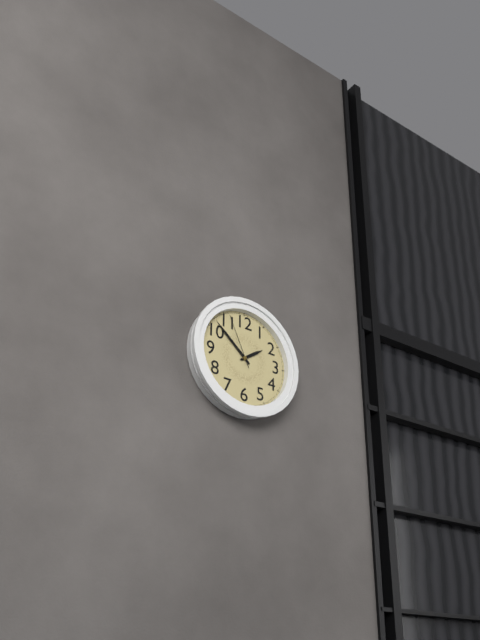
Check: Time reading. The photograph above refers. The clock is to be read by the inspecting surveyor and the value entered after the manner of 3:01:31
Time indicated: 1:52:56
